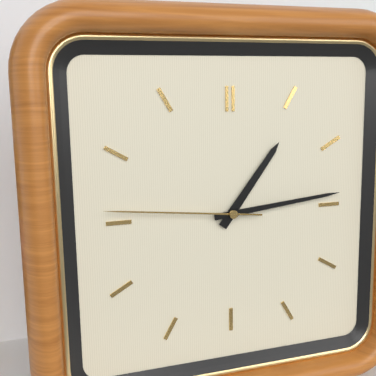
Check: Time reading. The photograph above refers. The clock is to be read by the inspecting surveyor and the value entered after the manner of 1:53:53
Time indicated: 1:14:46
